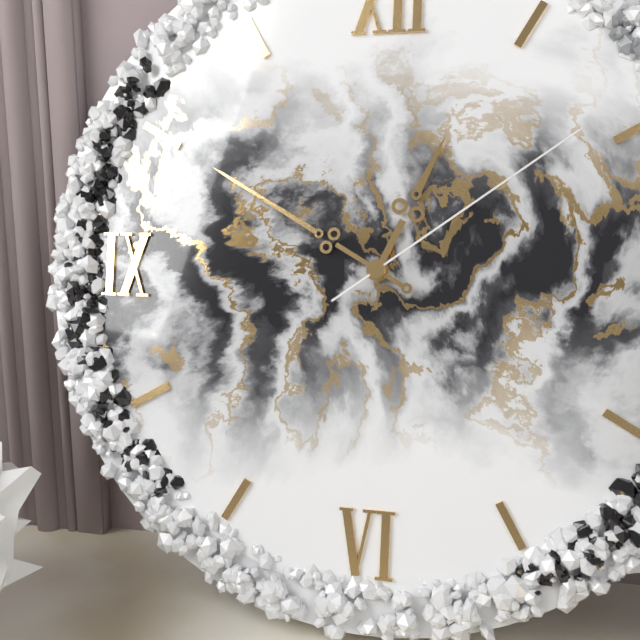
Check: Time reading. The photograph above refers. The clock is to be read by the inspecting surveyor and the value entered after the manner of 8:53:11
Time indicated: 12:50:09
